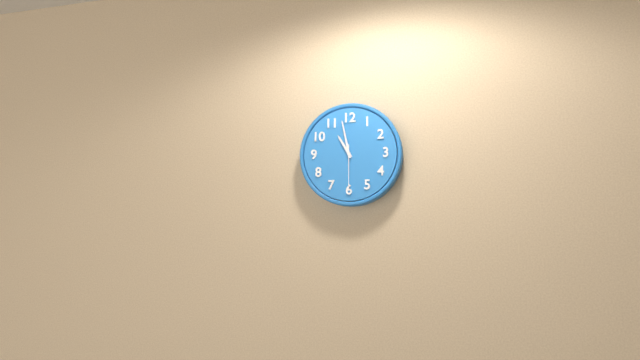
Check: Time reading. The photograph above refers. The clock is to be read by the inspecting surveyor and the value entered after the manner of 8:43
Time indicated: 10:58
